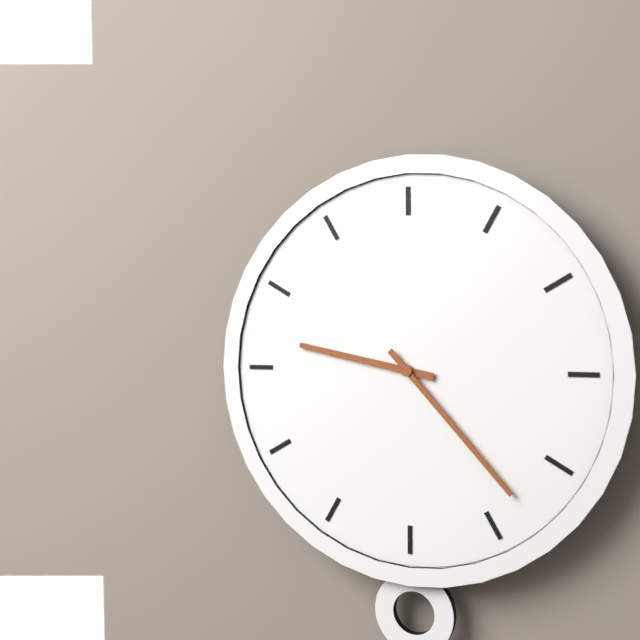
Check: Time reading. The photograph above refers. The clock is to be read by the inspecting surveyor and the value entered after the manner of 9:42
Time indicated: 9:23
